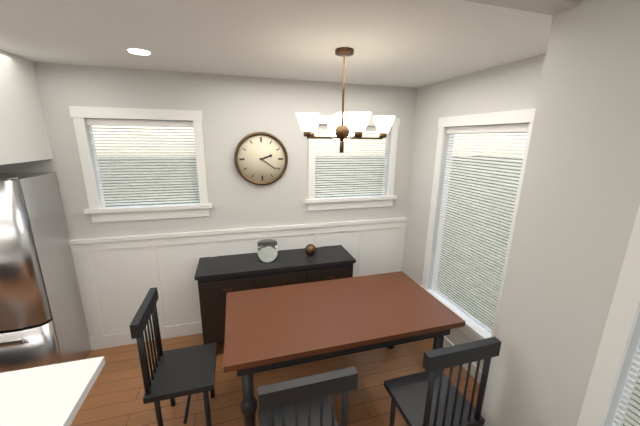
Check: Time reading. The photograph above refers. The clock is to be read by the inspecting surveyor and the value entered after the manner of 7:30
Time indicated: 2:21
